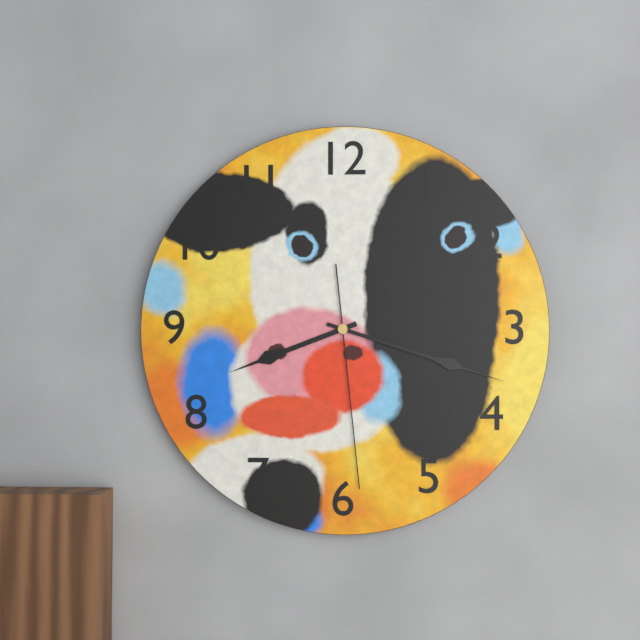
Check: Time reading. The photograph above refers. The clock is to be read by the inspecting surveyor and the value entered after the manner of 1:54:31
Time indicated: 8:18:29
